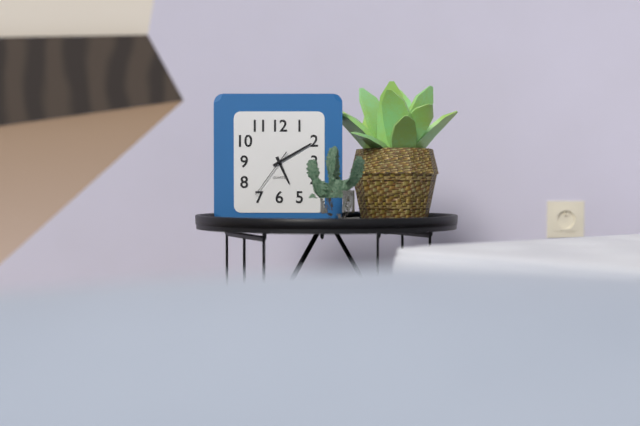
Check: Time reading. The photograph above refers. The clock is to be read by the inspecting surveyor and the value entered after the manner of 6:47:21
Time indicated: 5:10:36
